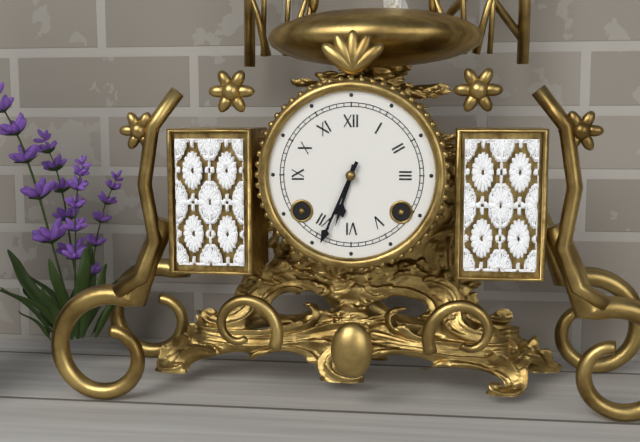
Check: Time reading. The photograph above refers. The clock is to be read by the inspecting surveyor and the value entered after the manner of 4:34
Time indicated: 6:34
